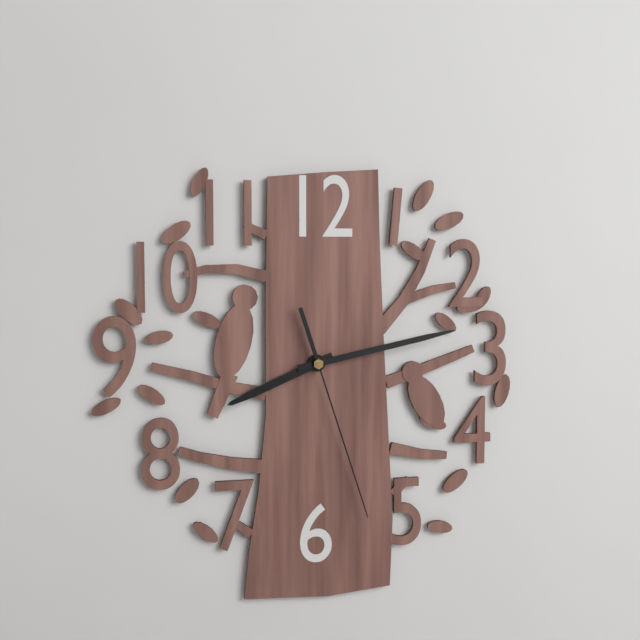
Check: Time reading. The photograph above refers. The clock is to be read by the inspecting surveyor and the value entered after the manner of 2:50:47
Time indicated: 8:13:27
